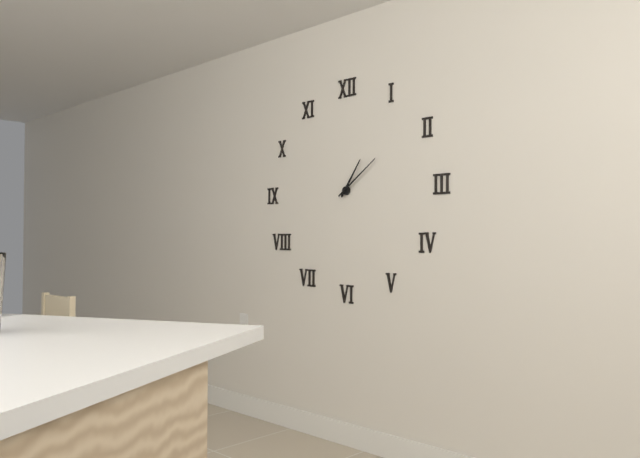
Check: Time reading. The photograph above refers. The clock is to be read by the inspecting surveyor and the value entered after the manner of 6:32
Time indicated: 1:09
